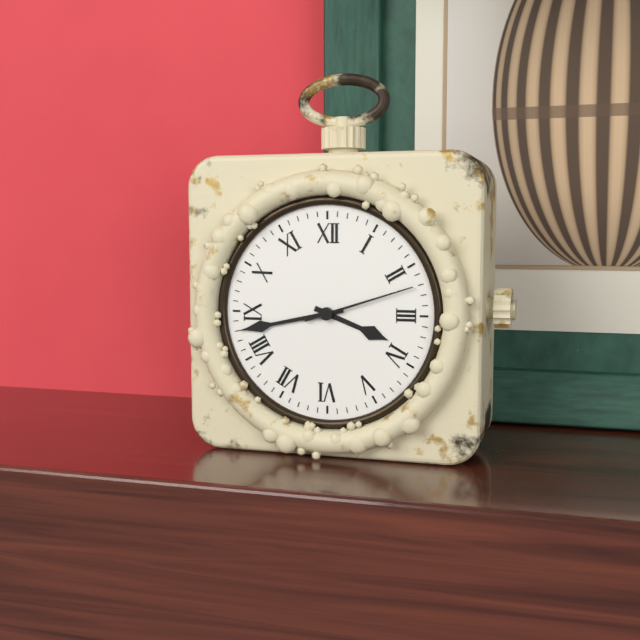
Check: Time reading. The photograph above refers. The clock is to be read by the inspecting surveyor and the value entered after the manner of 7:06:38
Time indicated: 3:43:12
